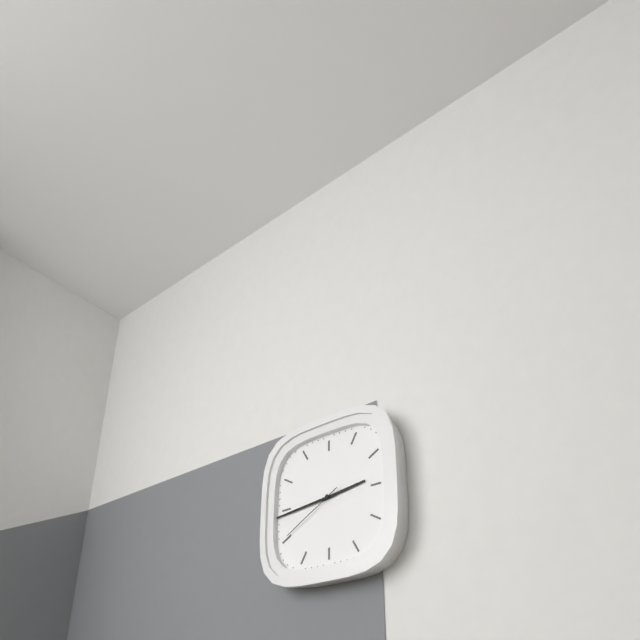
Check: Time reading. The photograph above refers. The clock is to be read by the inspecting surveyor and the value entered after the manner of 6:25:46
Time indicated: 2:44:40
